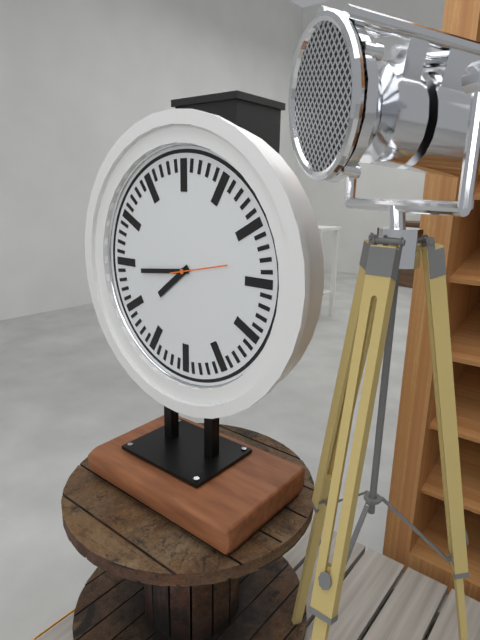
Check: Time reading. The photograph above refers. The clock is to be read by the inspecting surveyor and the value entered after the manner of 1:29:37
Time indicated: 7:44:13
